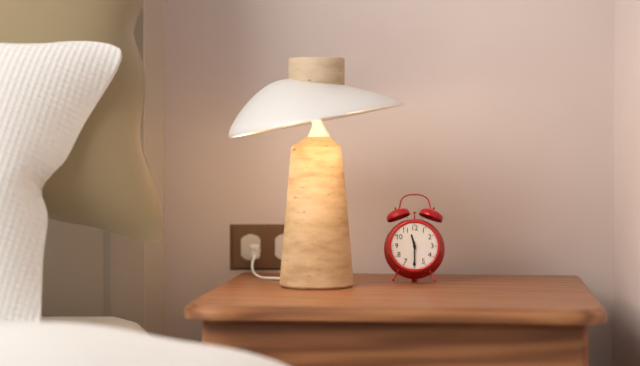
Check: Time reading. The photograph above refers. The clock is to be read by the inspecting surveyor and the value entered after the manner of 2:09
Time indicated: 11:30
